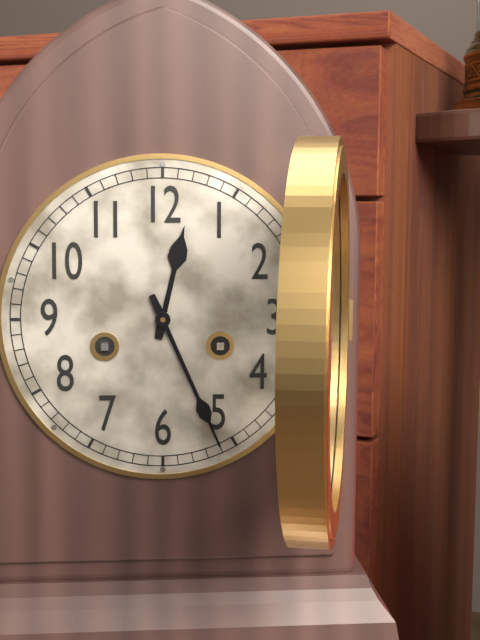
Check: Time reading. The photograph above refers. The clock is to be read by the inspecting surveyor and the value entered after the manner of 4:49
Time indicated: 12:26
